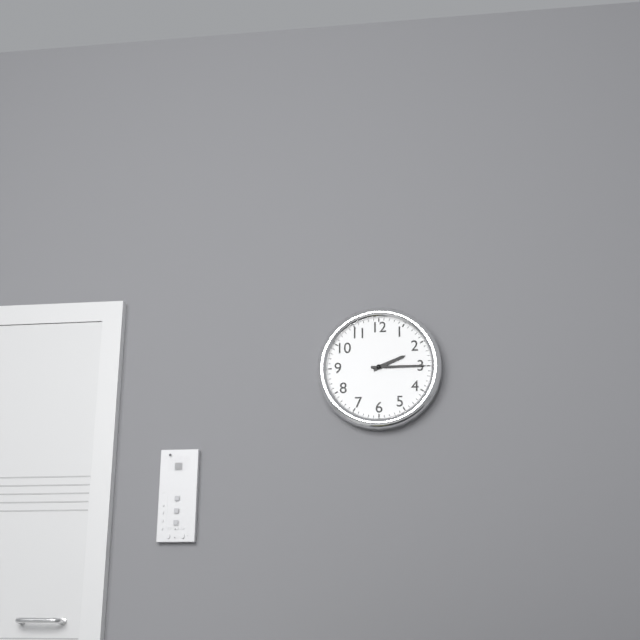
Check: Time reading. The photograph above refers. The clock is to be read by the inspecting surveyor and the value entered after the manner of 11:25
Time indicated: 2:15
